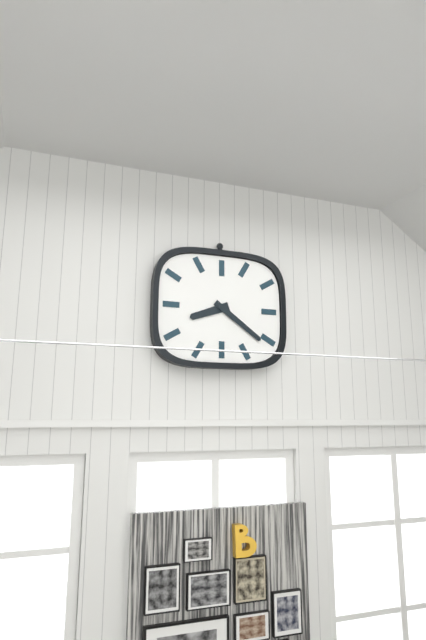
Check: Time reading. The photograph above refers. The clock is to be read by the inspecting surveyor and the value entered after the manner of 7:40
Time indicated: 8:21
